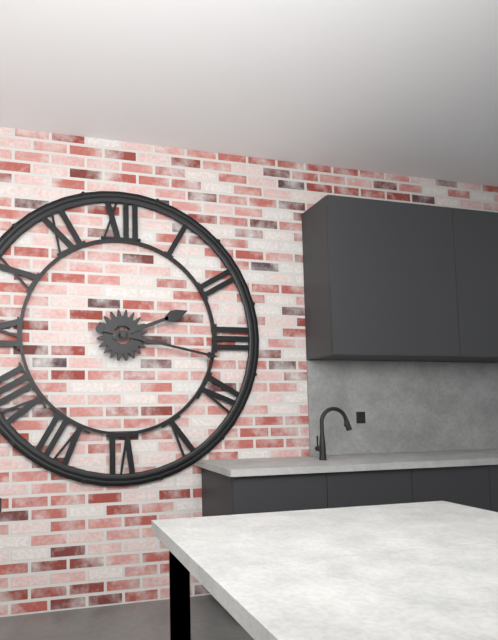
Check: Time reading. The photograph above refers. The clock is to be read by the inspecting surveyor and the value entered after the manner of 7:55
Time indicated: 2:17
